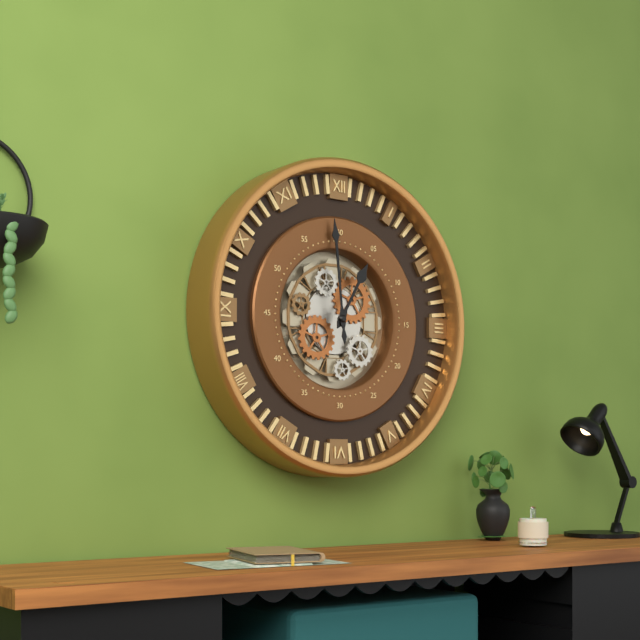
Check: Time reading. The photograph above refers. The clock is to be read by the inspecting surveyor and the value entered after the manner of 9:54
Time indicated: 12:59
